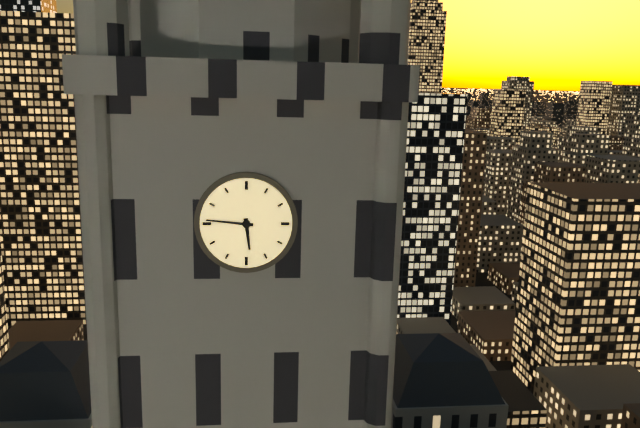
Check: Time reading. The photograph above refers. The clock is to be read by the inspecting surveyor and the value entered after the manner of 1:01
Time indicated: 5:46
